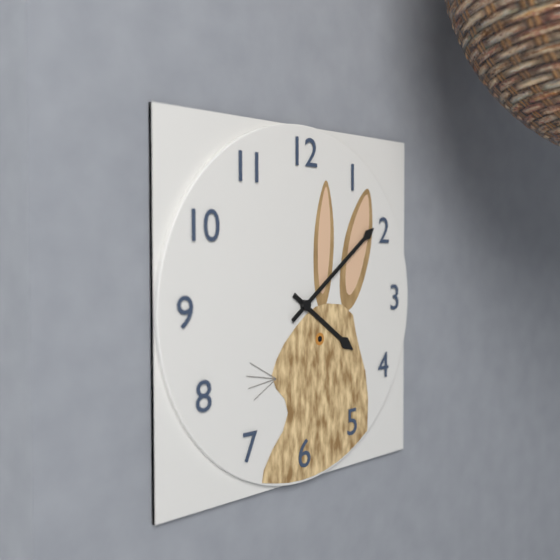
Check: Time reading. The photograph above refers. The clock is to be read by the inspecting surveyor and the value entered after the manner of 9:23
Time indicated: 4:09
